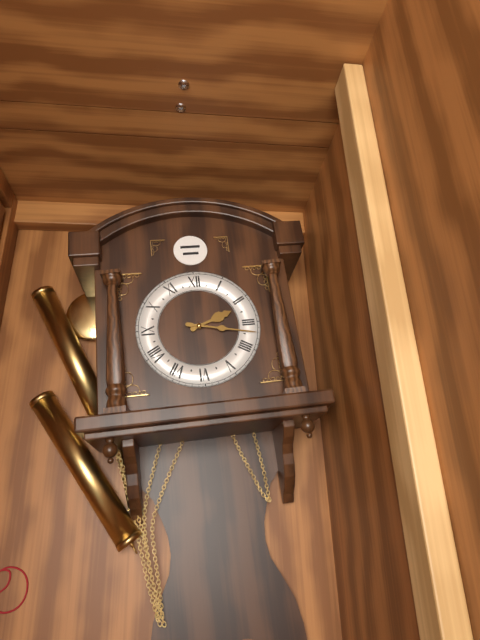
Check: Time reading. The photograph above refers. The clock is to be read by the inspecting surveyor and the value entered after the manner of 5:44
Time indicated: 2:17
